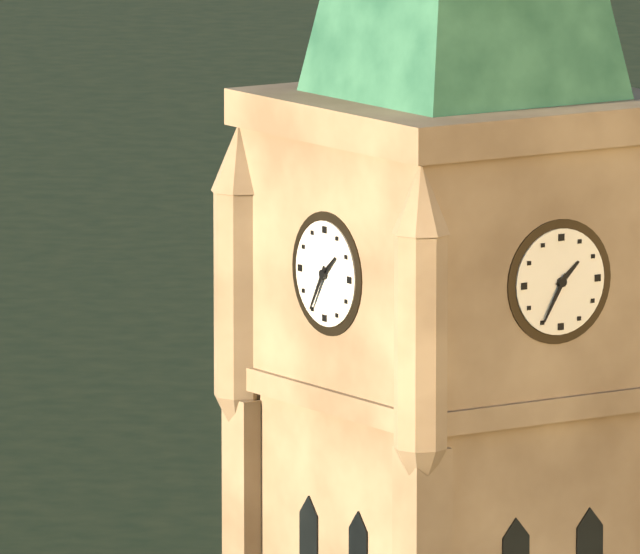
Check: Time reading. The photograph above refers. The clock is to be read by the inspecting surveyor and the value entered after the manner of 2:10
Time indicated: 1:35
